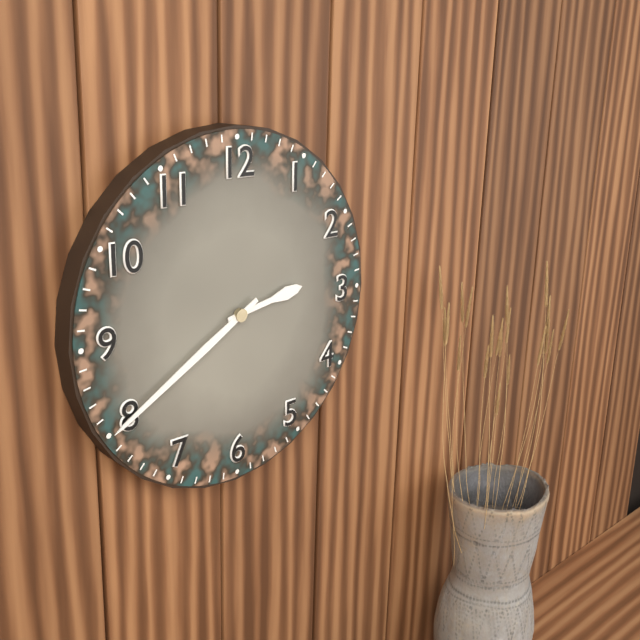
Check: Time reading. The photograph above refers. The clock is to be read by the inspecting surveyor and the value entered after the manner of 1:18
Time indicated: 2:40
